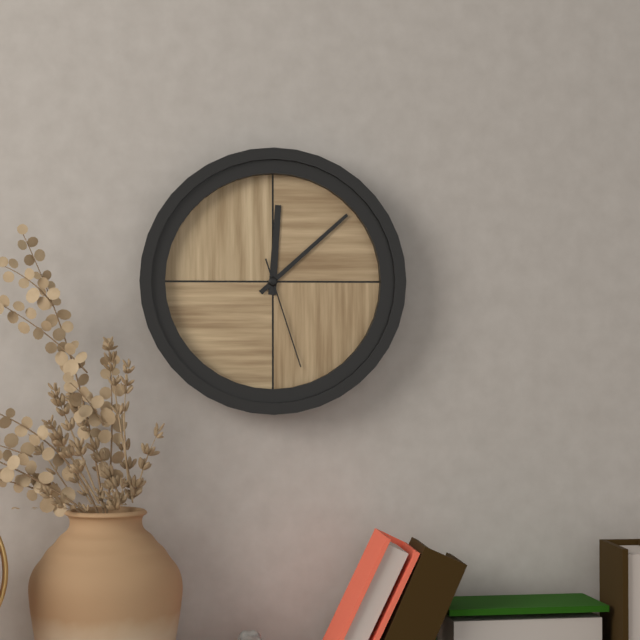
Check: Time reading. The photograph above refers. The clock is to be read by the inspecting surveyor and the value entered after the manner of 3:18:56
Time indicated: 12:08:27
